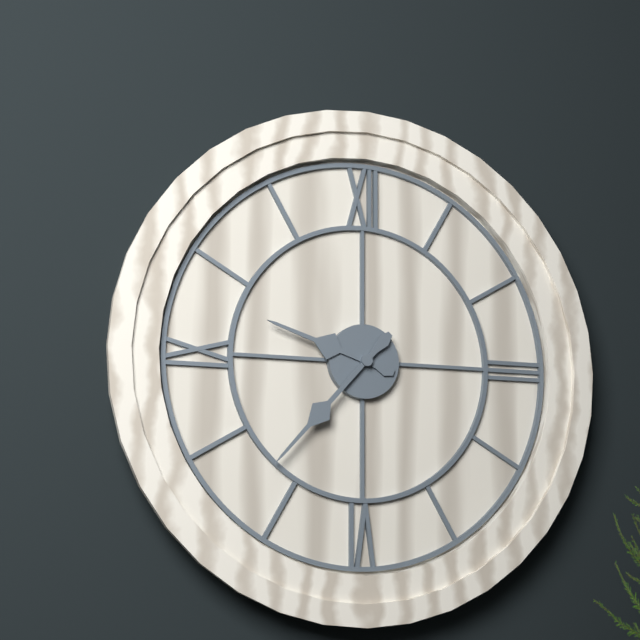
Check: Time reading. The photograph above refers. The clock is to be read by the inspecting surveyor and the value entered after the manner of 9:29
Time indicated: 9:37
